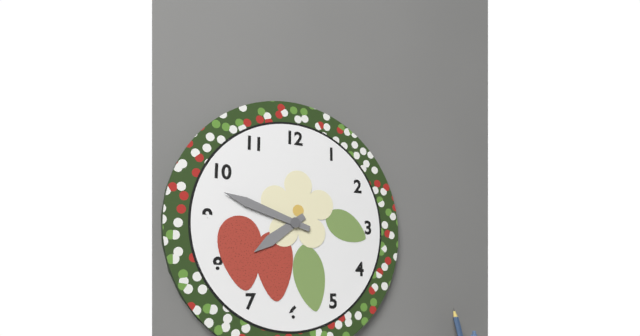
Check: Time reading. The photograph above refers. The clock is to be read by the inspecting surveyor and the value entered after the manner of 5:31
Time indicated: 7:48
